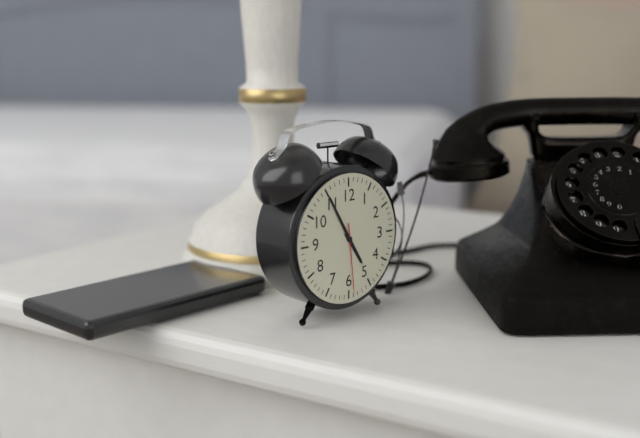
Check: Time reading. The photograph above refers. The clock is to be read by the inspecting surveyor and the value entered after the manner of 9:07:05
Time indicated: 4:55:29
